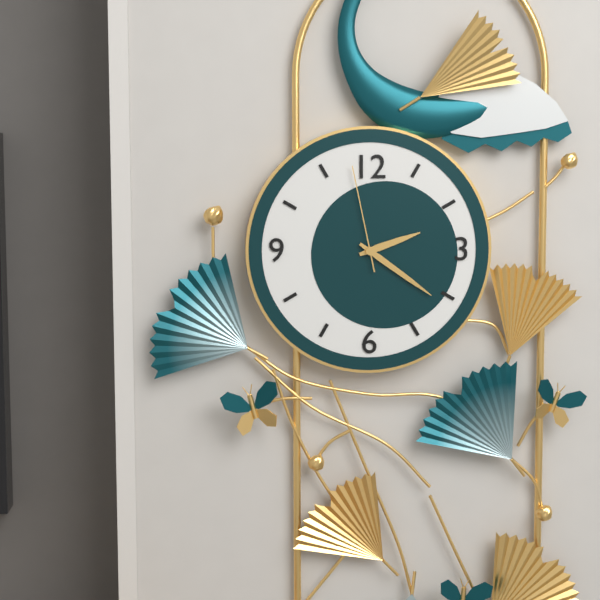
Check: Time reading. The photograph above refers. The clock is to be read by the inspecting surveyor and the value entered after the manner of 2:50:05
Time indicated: 2:21:58
